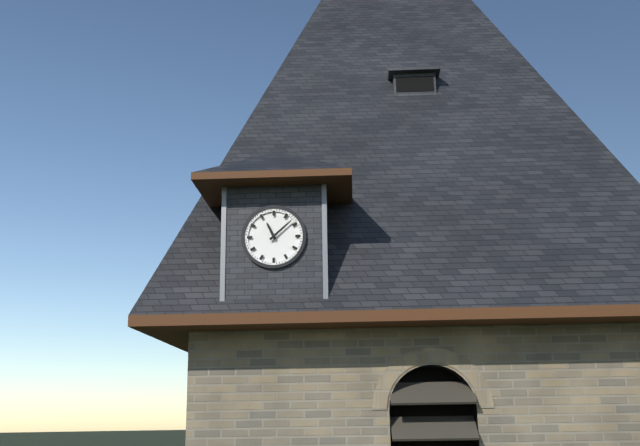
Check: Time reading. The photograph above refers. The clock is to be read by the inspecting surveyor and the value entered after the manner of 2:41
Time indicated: 11:08
